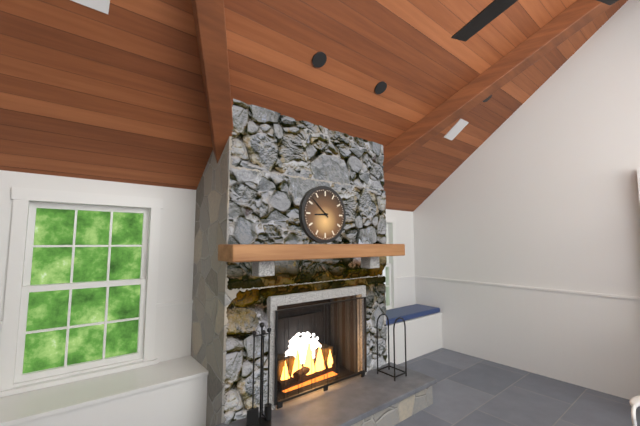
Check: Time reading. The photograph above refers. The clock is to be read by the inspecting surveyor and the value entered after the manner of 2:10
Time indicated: 8:52
